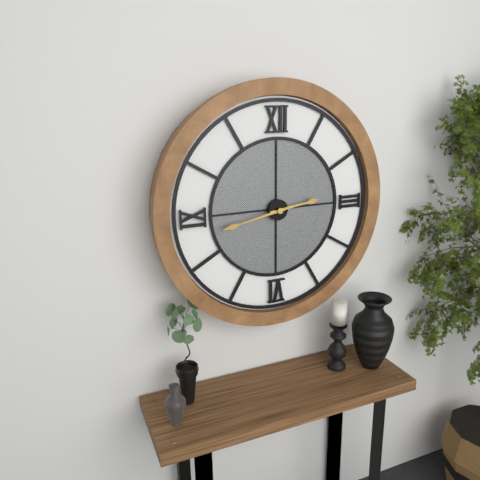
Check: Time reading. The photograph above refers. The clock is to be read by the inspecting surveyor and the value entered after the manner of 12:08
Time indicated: 2:43
